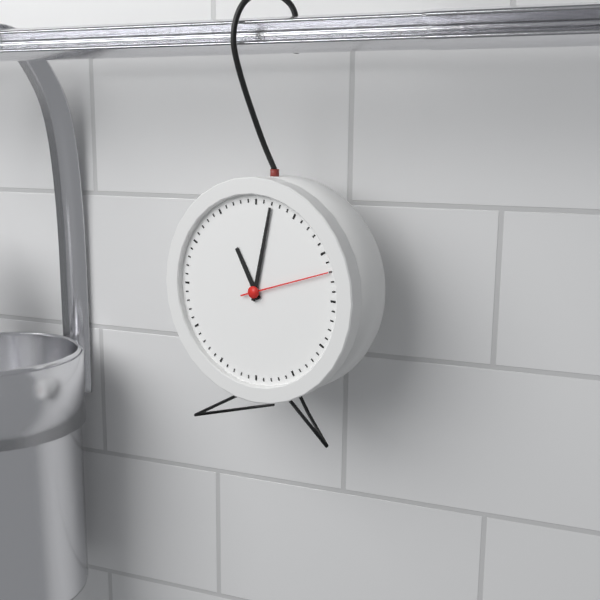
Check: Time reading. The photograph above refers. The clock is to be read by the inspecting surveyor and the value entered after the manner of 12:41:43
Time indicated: 11:02:12
